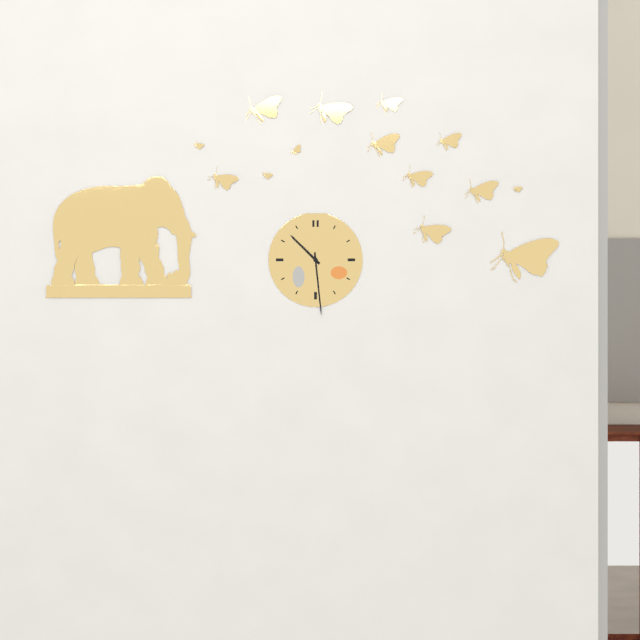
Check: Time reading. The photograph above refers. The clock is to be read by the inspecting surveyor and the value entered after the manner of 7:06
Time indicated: 10:29
